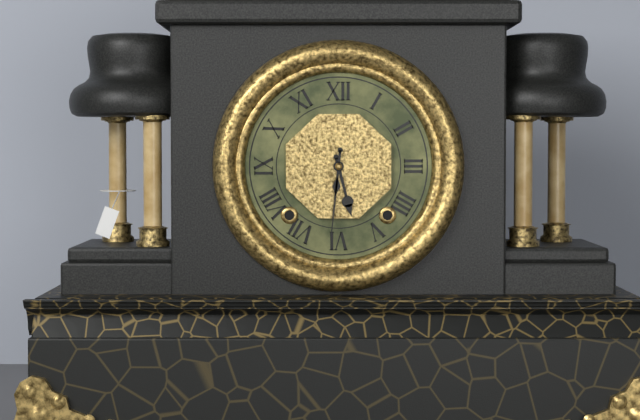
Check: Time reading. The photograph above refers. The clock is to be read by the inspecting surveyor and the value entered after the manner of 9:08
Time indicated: 5:31
